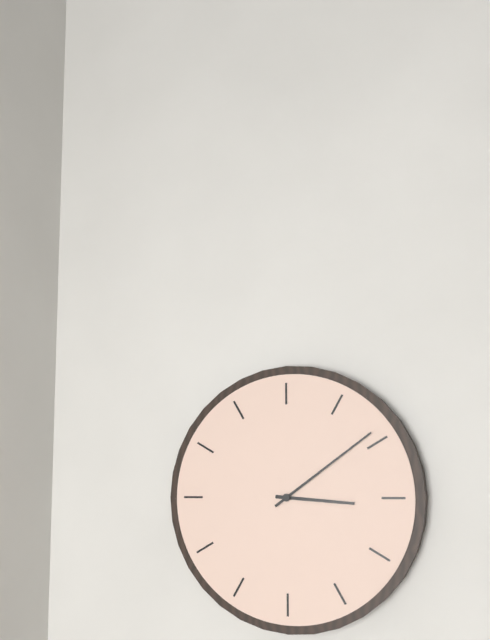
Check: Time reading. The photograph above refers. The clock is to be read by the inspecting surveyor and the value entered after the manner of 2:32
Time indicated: 3:09
